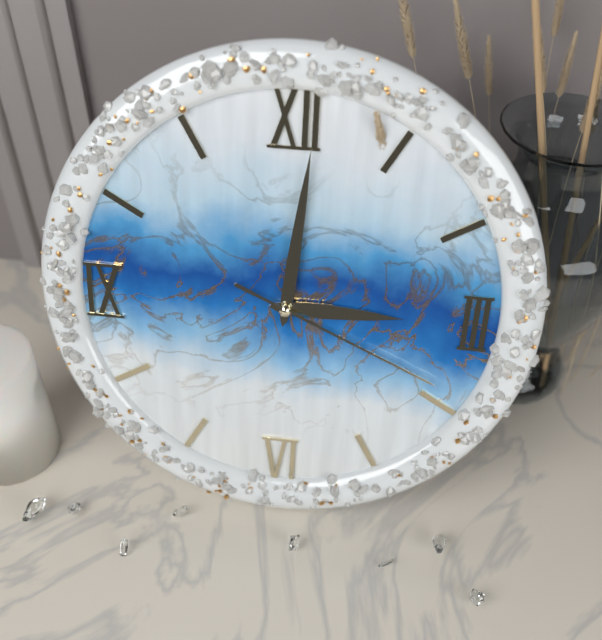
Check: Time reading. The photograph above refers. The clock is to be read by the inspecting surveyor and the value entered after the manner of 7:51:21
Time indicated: 3:01:19
